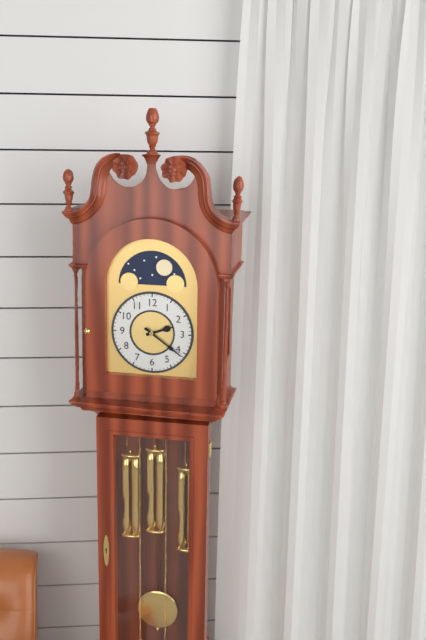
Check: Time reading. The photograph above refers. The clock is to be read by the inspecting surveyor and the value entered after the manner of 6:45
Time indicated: 2:21
